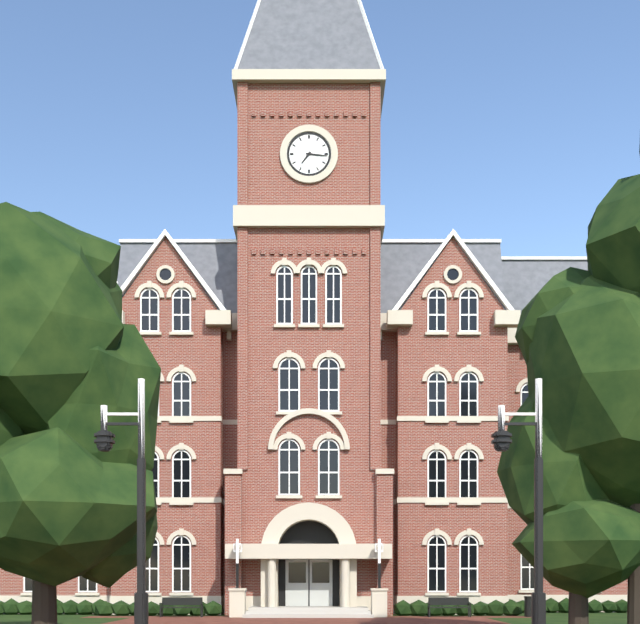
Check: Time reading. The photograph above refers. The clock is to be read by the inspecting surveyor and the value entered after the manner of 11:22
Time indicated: 7:16
